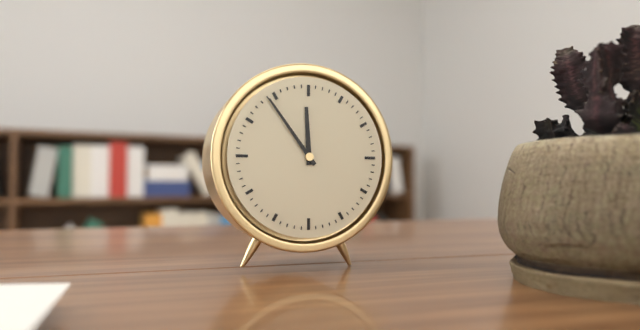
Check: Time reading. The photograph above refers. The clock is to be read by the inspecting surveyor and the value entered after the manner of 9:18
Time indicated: 11:54
